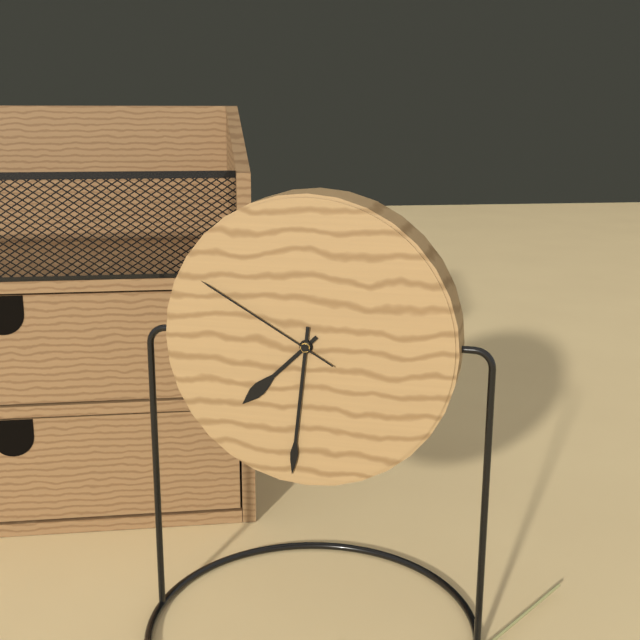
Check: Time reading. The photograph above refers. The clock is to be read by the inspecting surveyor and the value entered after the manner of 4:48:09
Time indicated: 7:31:50
